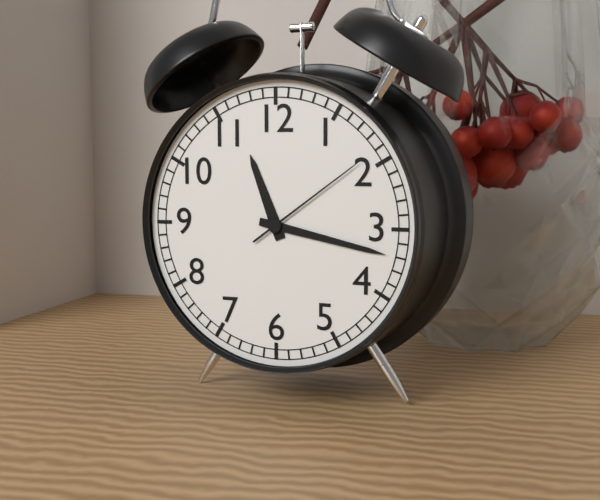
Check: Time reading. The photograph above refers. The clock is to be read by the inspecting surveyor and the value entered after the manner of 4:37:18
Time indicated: 11:17:09
